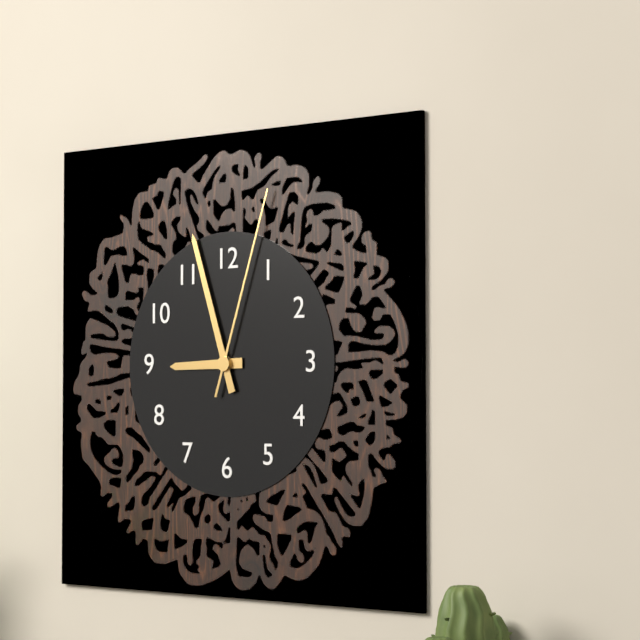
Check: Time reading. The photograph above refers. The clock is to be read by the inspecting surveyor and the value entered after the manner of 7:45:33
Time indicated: 8:57:03
